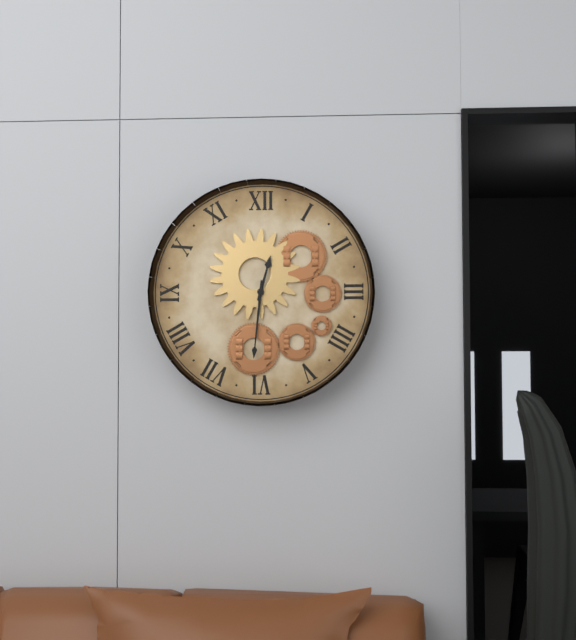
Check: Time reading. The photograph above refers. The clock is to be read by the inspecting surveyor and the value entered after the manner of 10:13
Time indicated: 12:31
